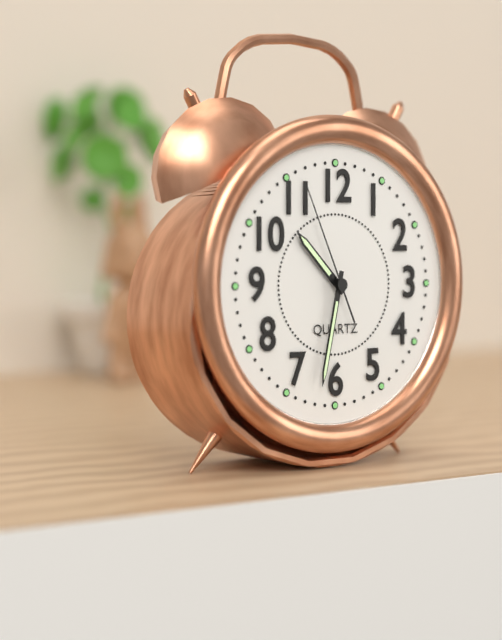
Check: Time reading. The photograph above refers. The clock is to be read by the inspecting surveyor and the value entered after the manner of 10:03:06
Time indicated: 10:32:56
